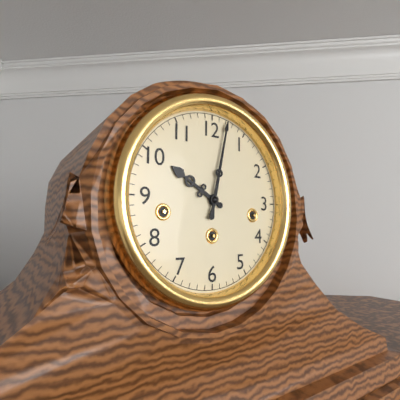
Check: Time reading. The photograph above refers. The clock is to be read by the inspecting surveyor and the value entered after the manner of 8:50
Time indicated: 10:02
